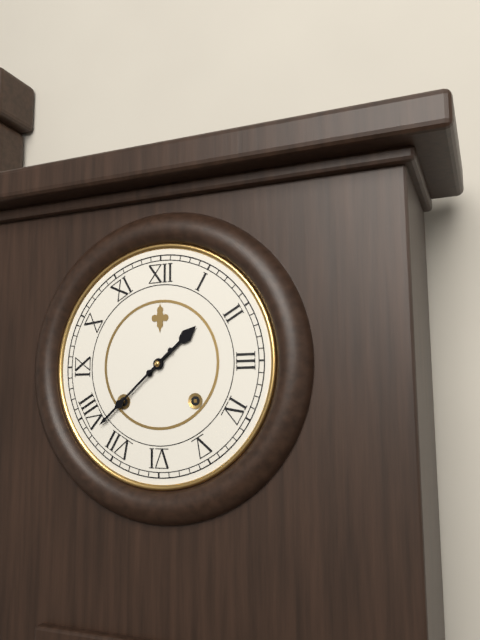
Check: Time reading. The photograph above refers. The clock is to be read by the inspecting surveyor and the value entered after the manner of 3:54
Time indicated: 1:38
